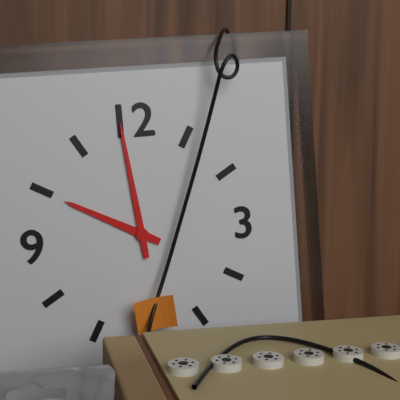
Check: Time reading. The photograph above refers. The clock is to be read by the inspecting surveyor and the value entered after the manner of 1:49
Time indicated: 9:59
